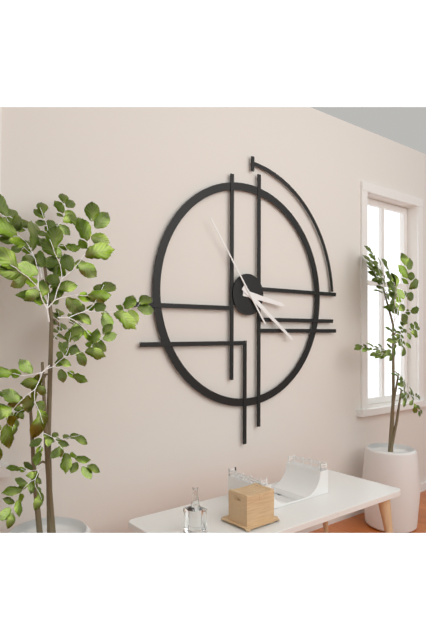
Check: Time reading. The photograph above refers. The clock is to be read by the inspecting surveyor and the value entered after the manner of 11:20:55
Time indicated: 3:21:54
